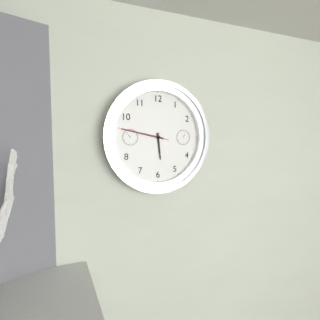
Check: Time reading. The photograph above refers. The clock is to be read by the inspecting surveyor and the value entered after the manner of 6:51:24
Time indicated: 5:47:47
